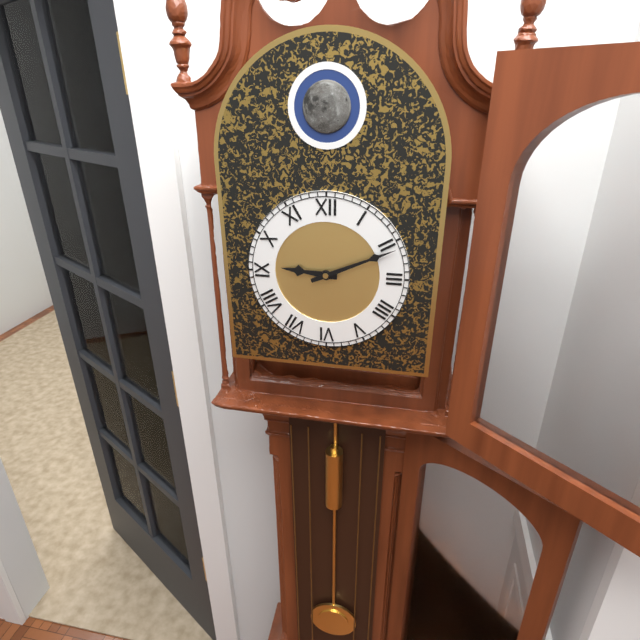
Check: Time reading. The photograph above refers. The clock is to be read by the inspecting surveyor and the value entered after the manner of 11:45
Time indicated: 9:11
